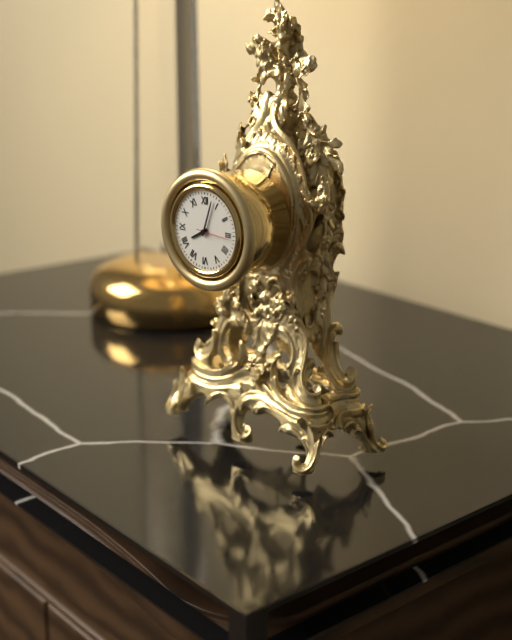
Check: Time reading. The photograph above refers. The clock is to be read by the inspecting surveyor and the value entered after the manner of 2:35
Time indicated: 8:03
